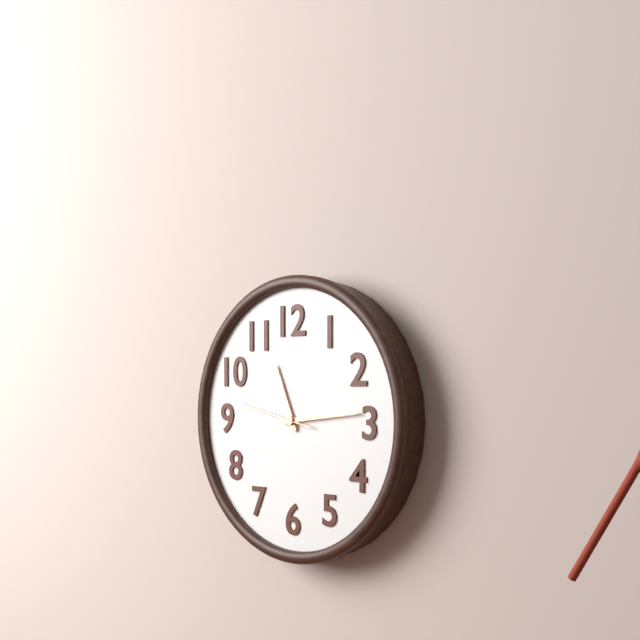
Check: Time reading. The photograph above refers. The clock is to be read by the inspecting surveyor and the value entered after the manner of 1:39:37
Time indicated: 11:14:47
